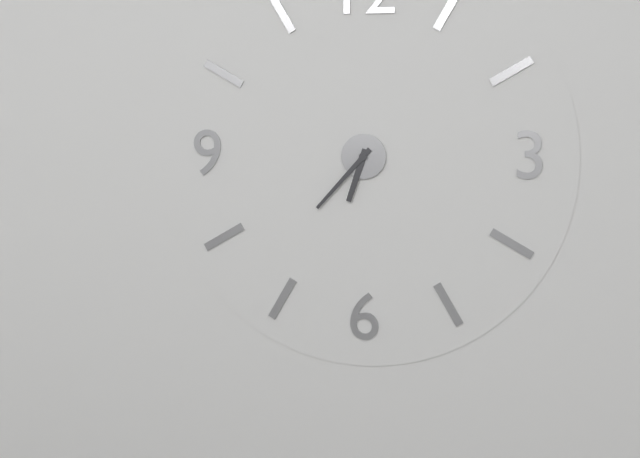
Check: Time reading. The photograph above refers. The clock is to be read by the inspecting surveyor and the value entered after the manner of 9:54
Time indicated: 6:37
